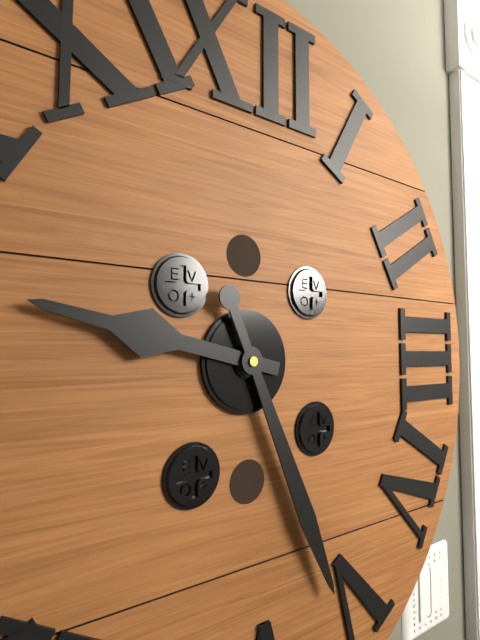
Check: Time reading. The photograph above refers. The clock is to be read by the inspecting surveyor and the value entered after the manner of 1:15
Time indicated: 9:26
